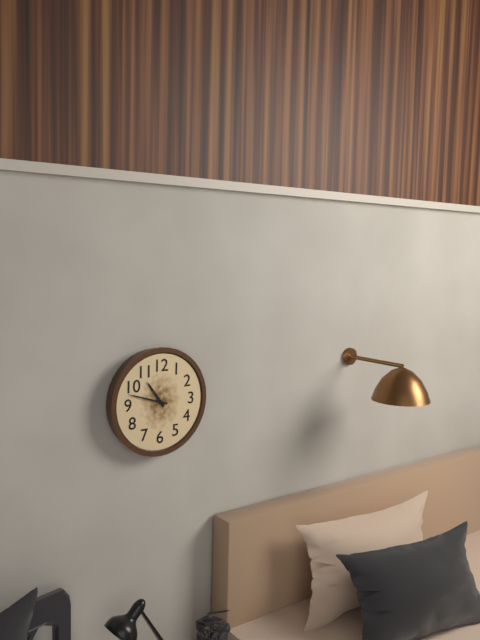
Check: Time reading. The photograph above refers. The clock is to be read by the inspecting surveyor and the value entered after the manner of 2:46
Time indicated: 10:48
